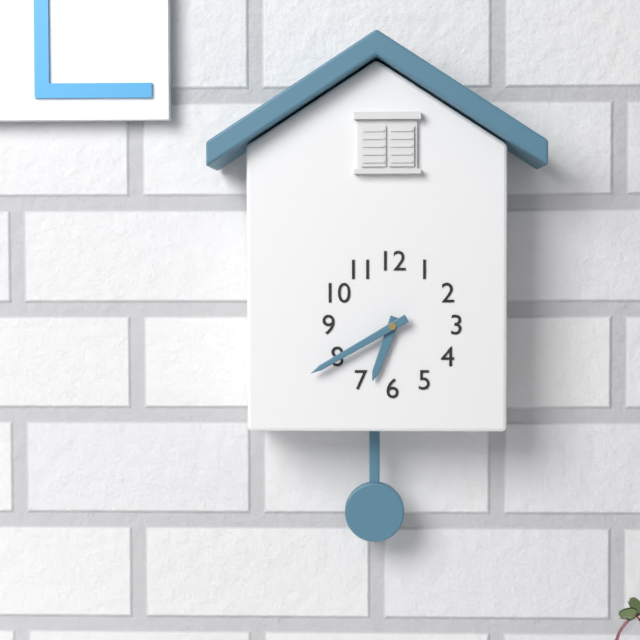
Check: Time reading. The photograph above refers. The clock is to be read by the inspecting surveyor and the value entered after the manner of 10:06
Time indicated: 6:40
